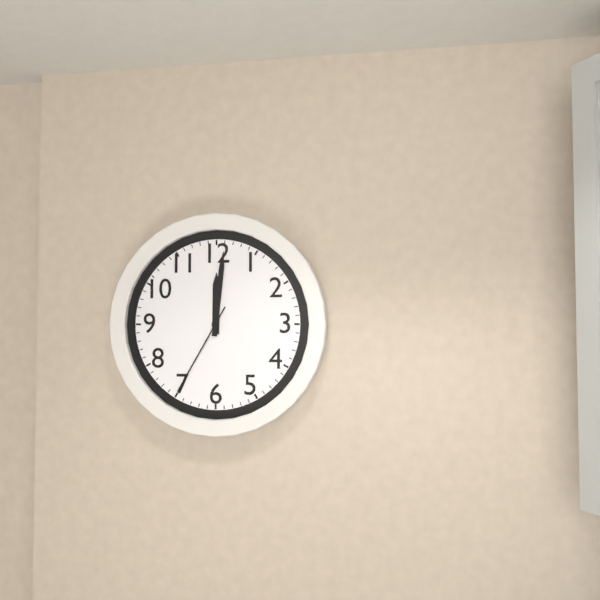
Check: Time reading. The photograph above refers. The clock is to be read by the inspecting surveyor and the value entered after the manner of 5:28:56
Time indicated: 12:01:35
